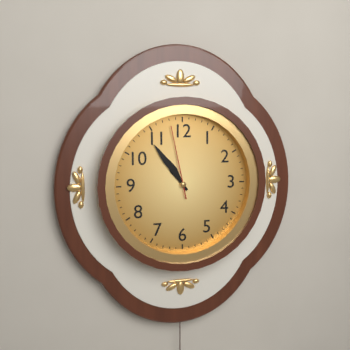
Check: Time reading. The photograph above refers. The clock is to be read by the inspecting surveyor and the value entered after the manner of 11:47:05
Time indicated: 10:54:58
